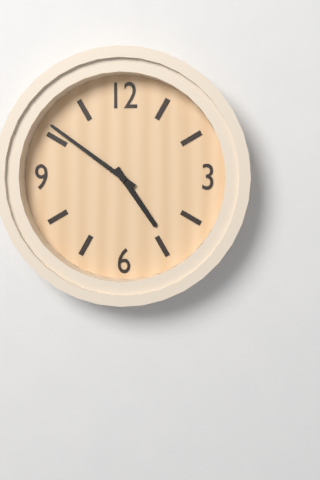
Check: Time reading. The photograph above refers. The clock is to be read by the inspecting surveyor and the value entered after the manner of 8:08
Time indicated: 4:51
